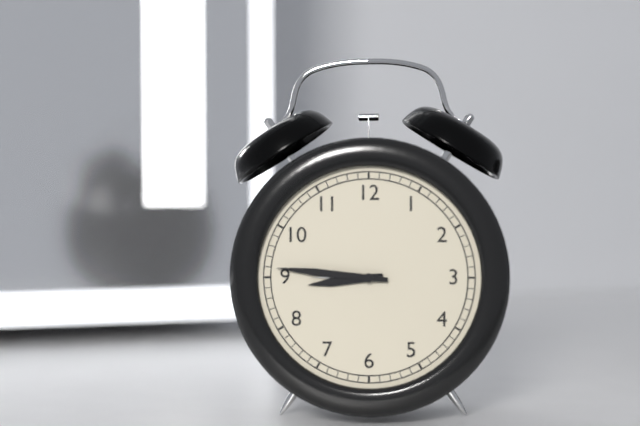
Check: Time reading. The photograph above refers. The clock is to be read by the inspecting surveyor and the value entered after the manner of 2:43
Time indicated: 8:46
